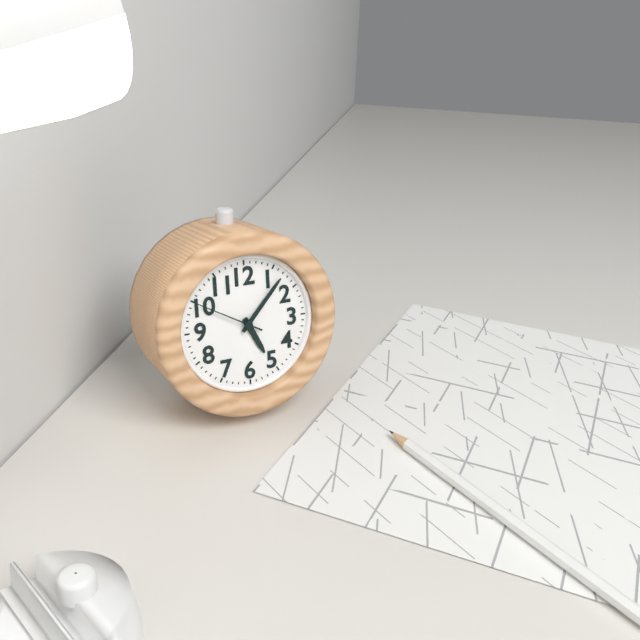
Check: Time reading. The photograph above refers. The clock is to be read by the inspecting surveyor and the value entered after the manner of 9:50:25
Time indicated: 5:07:50
